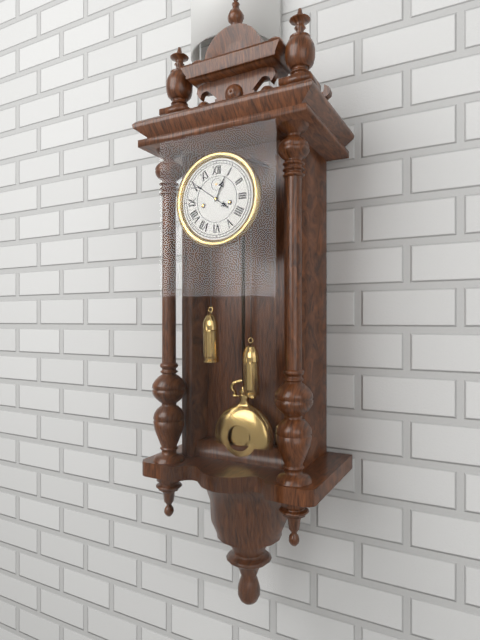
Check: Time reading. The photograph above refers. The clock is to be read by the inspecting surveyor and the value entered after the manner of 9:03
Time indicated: 12:51
